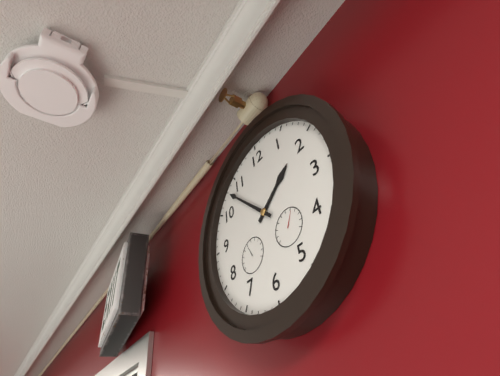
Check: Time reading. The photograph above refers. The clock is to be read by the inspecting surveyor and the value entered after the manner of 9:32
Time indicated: 1:53
